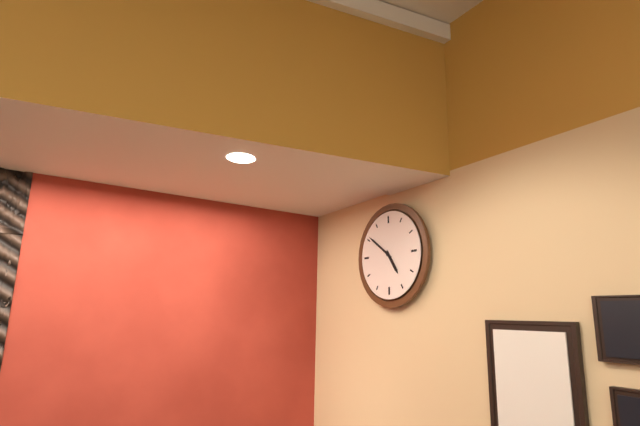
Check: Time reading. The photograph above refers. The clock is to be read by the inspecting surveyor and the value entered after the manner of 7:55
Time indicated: 4:51
